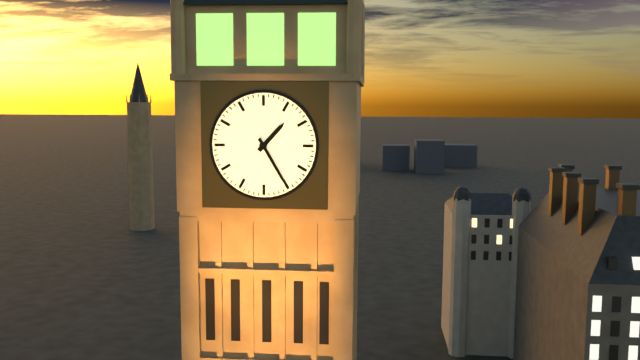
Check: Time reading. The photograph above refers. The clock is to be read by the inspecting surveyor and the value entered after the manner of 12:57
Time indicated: 1:25
